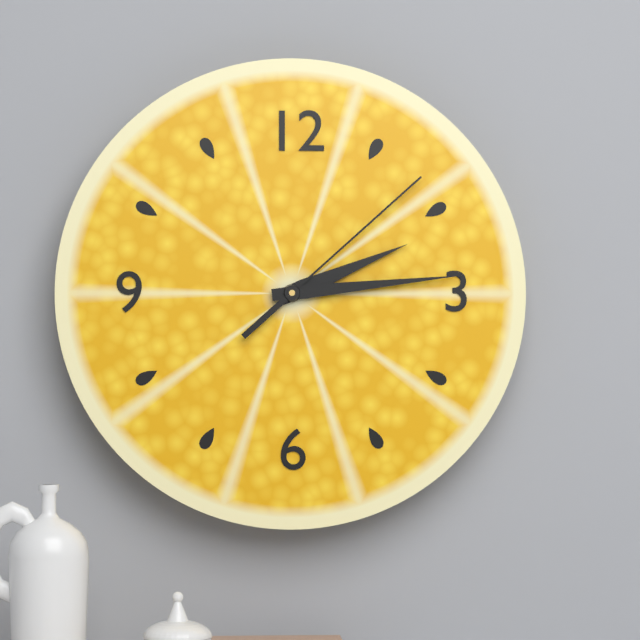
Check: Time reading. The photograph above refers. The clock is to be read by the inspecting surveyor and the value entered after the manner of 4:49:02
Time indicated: 2:14:08
